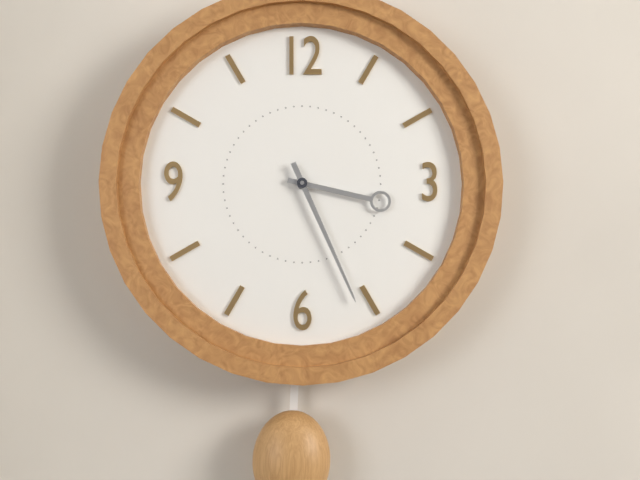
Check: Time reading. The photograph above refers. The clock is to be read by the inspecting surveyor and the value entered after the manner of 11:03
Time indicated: 3:26
